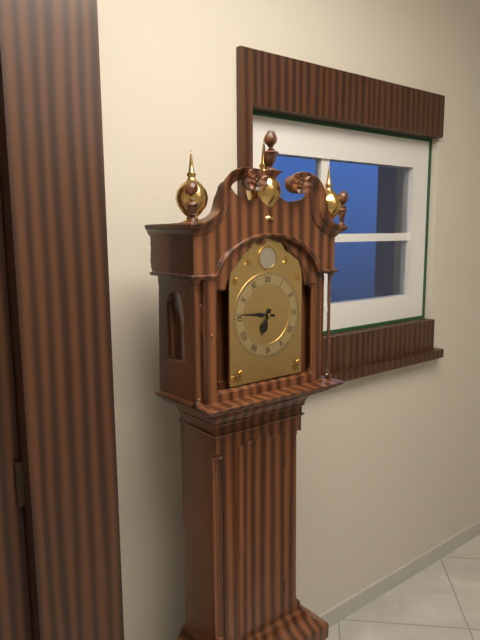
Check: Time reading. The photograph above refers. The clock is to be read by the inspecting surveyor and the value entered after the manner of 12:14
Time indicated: 6:46
